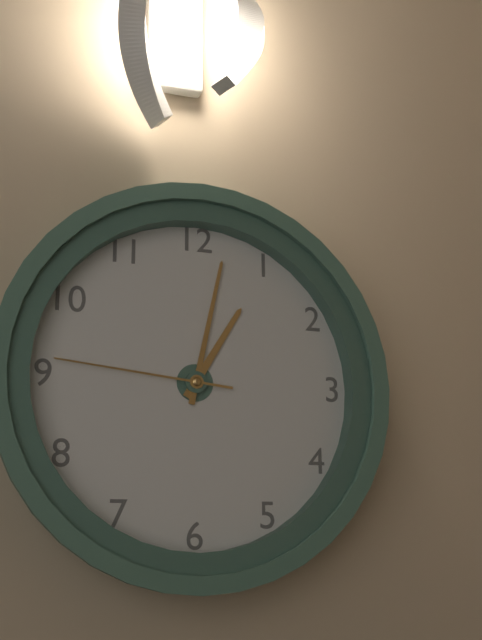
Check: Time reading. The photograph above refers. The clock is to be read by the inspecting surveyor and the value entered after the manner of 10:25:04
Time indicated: 1:02:46
